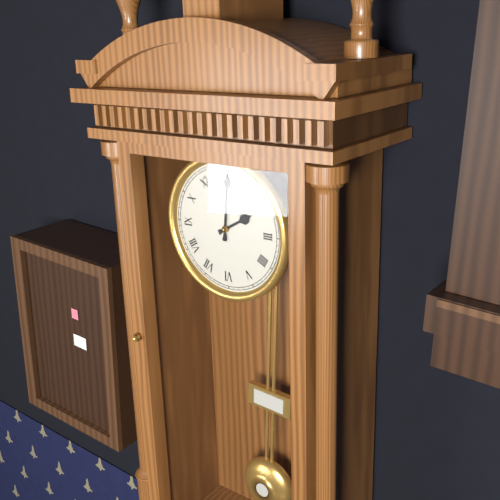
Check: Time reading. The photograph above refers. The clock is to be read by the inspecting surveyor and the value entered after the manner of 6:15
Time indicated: 2:01
